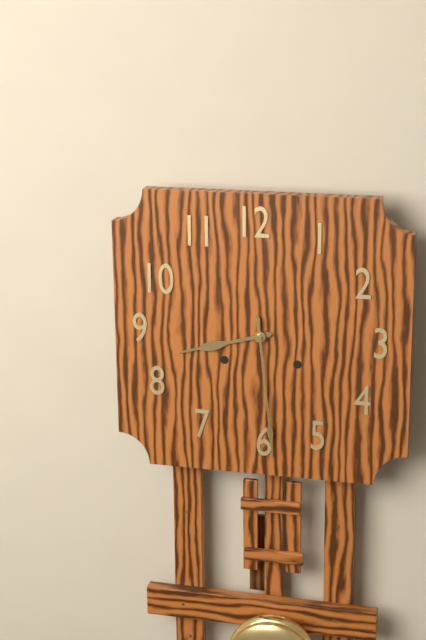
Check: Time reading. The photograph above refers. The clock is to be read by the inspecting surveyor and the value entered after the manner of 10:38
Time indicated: 8:29
